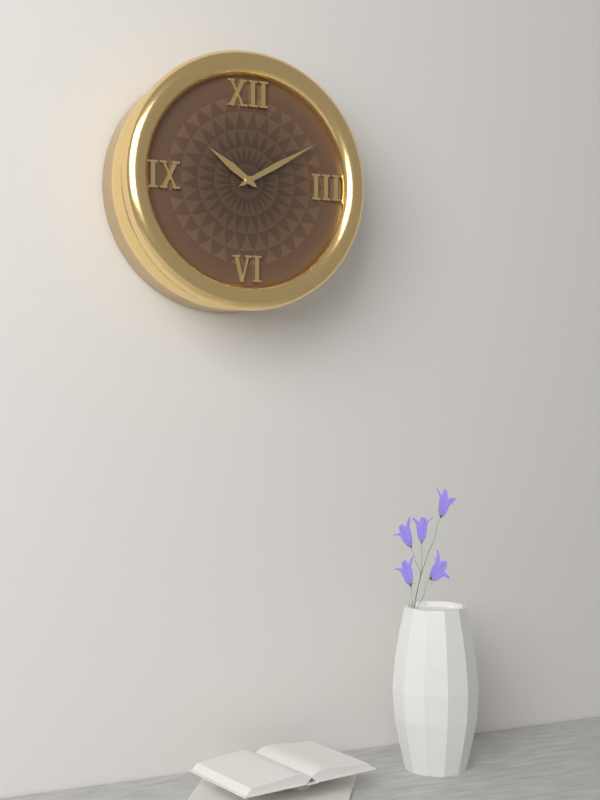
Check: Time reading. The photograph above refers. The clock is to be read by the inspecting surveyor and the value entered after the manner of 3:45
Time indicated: 10:10
